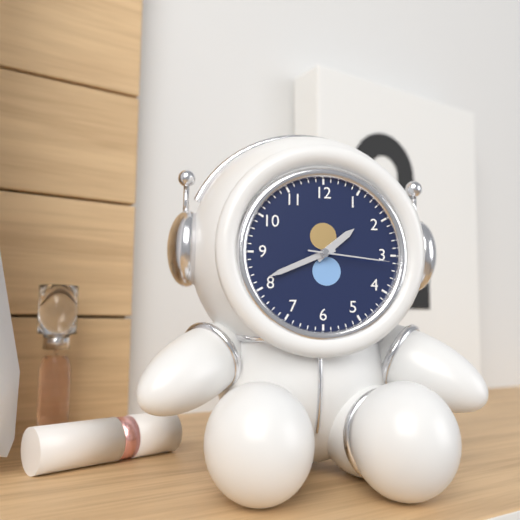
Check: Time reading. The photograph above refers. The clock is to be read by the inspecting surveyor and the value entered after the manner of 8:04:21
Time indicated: 1:41:16
